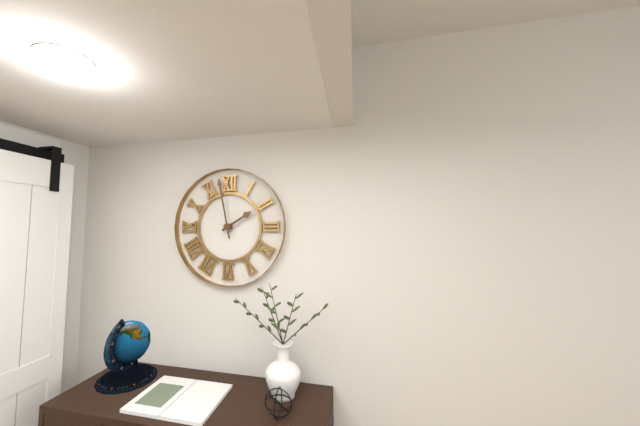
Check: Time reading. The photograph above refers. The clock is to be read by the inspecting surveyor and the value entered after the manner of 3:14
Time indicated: 1:58
